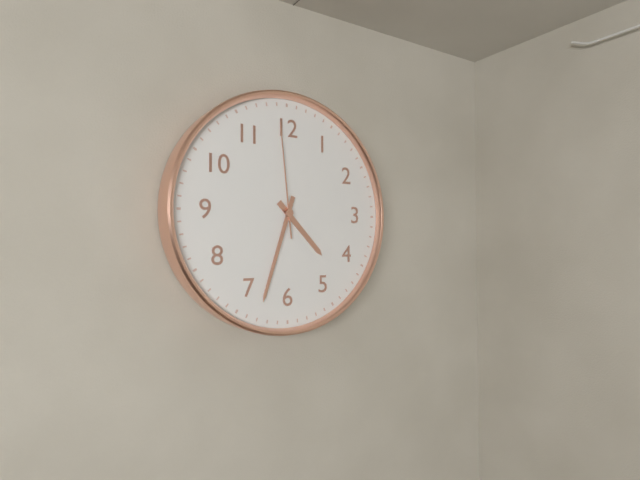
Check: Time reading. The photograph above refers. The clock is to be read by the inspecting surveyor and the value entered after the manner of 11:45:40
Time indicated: 4:33:59
